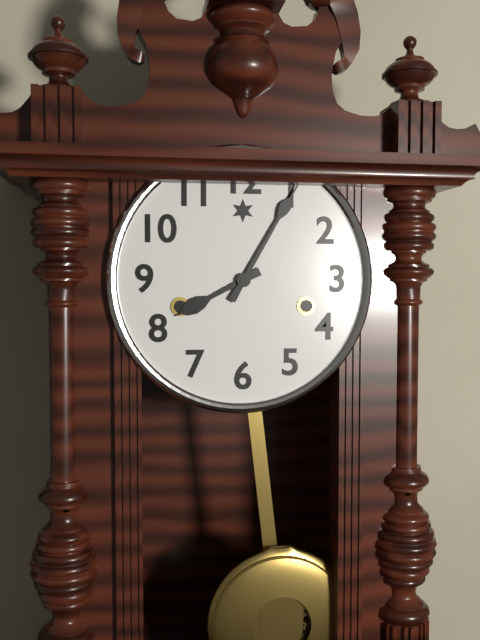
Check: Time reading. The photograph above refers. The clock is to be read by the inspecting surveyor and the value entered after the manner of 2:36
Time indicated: 8:05
